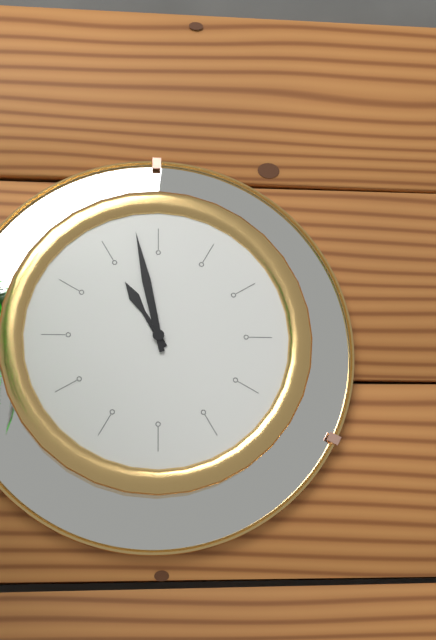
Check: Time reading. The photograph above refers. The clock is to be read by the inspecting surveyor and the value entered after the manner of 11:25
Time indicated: 10:58
